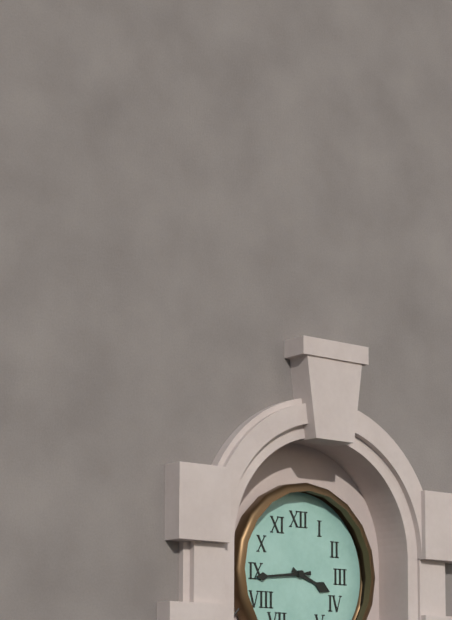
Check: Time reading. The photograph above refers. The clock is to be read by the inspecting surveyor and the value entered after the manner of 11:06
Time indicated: 3:44
